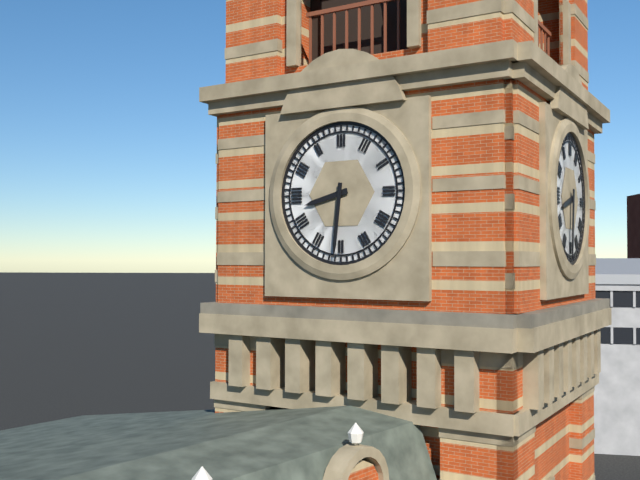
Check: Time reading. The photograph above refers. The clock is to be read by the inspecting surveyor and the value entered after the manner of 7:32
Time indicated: 8:31
